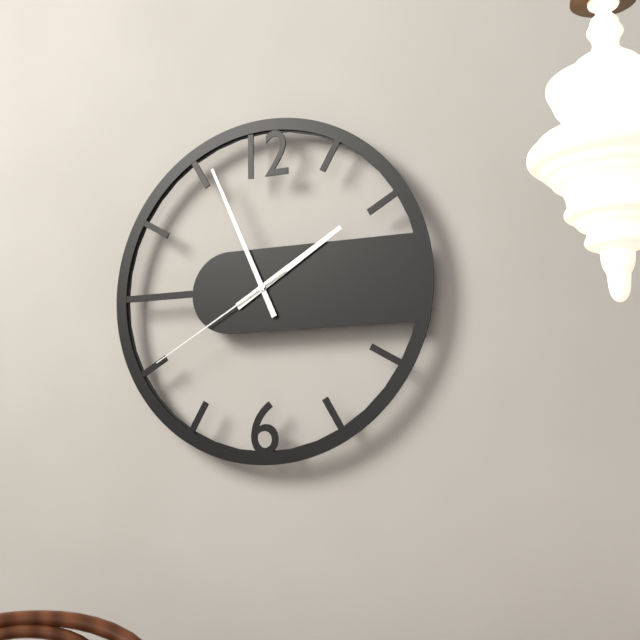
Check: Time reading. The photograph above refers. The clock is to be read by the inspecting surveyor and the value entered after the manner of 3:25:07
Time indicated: 1:56:40
